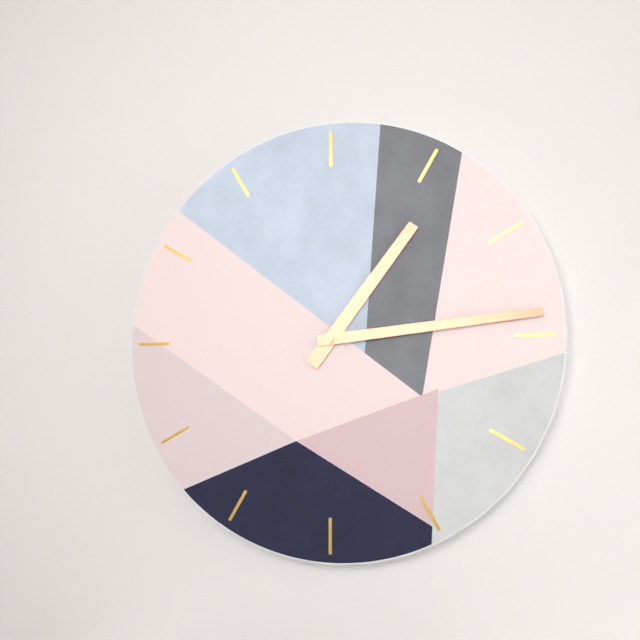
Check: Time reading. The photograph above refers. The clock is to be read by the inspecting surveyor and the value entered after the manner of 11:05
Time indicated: 1:14
